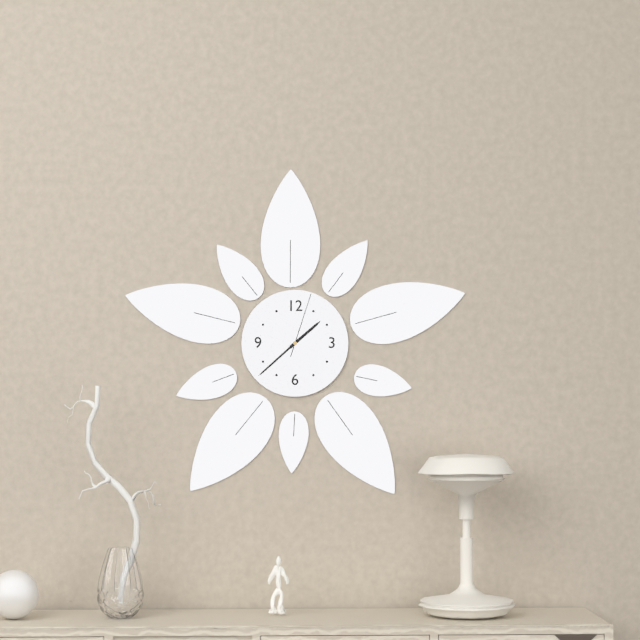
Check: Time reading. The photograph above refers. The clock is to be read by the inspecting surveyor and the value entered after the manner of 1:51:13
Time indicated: 1:38:03
